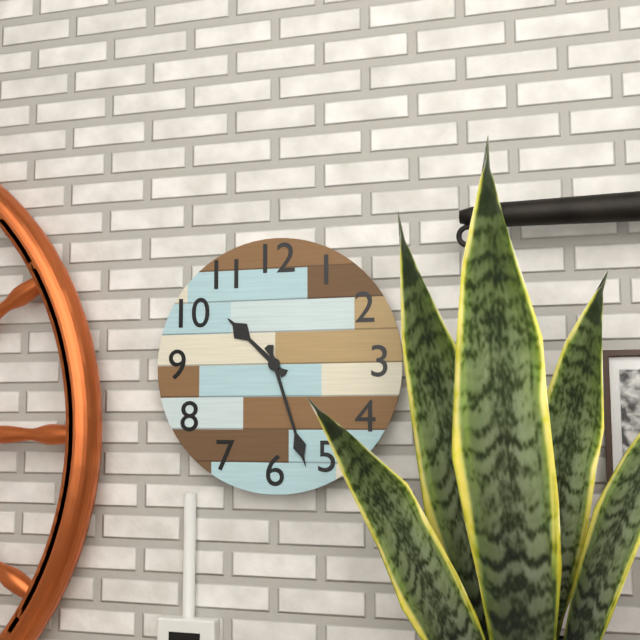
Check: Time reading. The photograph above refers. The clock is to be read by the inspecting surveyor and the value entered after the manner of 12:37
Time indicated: 10:27
